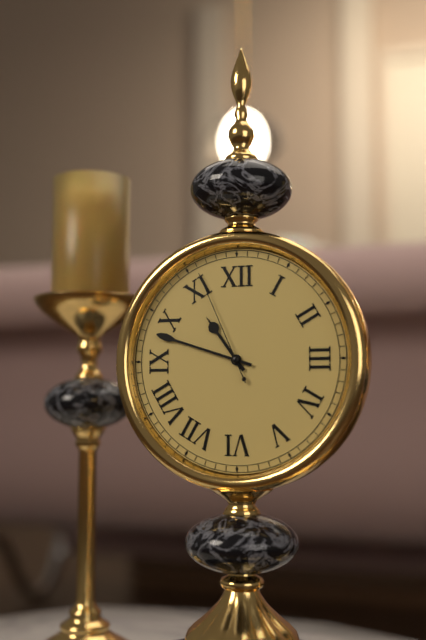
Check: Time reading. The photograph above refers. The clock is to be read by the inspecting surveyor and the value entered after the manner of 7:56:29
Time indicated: 10:48:56
